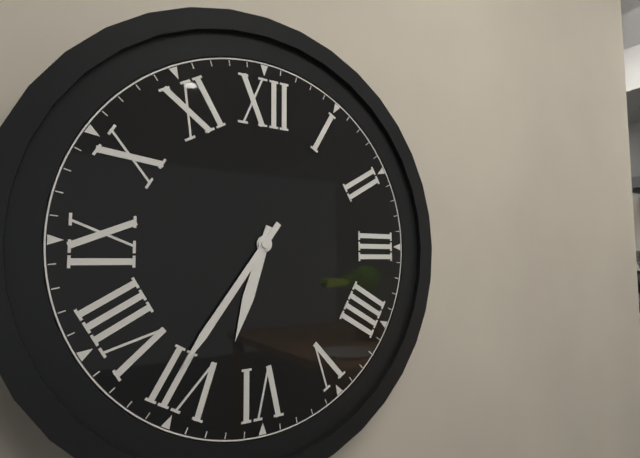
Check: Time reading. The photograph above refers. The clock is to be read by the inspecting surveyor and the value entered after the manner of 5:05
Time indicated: 6:36
